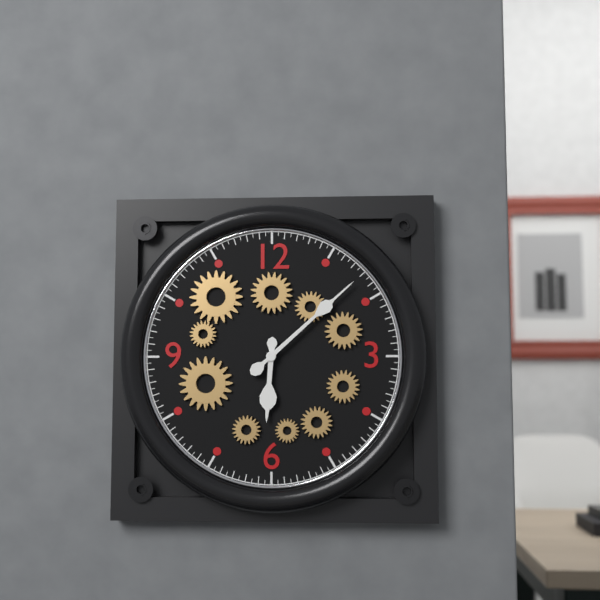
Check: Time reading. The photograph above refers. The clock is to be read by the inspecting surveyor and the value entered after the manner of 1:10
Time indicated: 6:08
